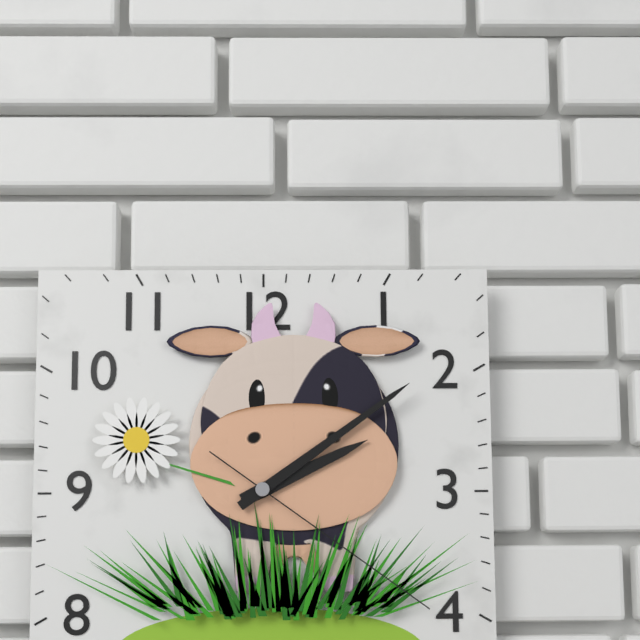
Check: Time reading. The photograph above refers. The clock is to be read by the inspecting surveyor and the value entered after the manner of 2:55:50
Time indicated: 2:09:21
